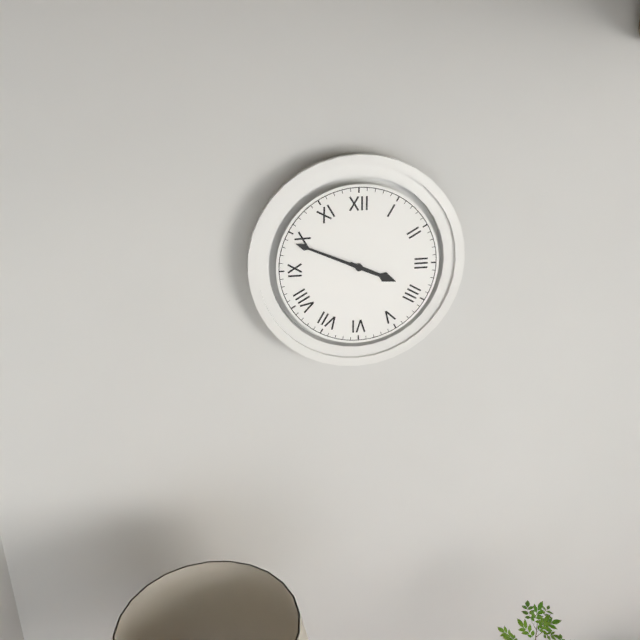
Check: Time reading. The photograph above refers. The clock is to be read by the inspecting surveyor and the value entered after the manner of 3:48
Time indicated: 3:49
